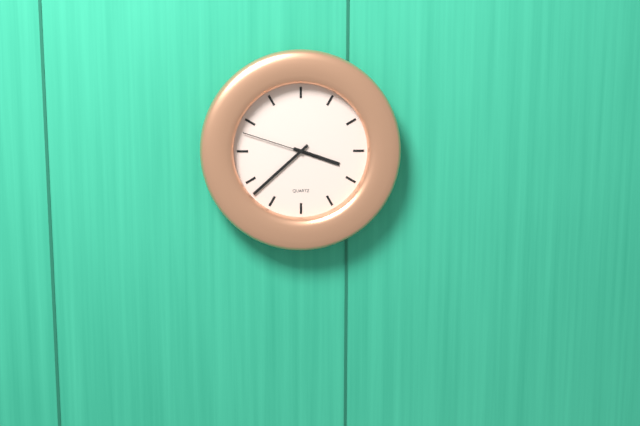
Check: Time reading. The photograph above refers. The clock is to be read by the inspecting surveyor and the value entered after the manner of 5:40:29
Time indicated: 3:38:48
